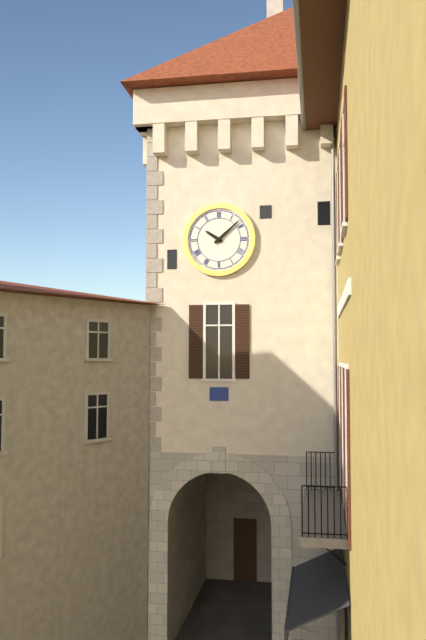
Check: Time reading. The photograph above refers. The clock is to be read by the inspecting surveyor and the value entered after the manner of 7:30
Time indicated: 10:08
